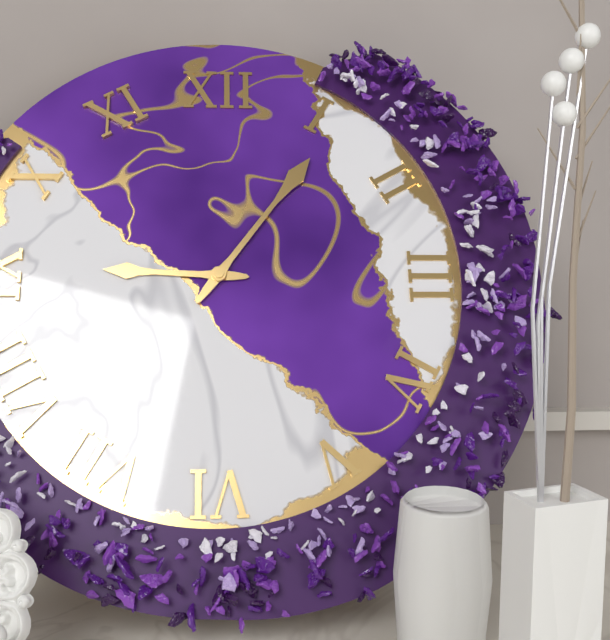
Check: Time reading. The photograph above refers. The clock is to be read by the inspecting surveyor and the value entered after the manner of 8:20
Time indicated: 9:06
